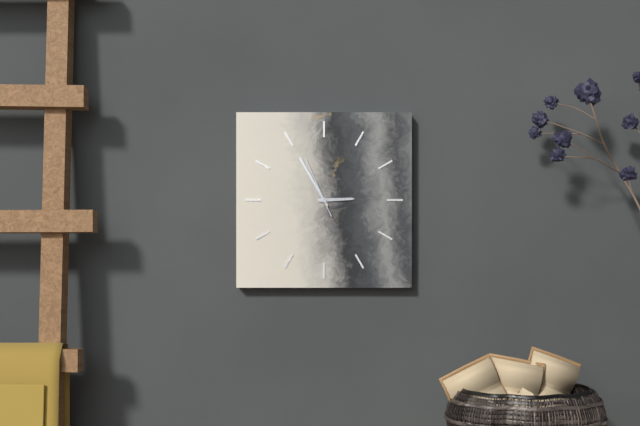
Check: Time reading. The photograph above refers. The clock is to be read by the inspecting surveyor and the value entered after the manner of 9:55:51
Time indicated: 2:55:56
